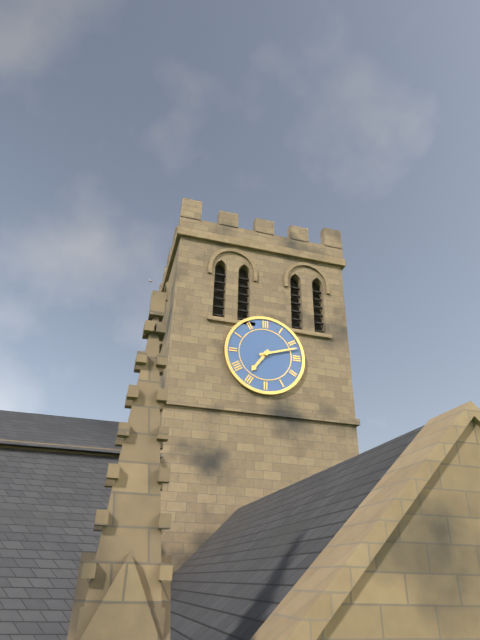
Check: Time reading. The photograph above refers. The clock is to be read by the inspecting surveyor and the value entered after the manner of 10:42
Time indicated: 7:12
